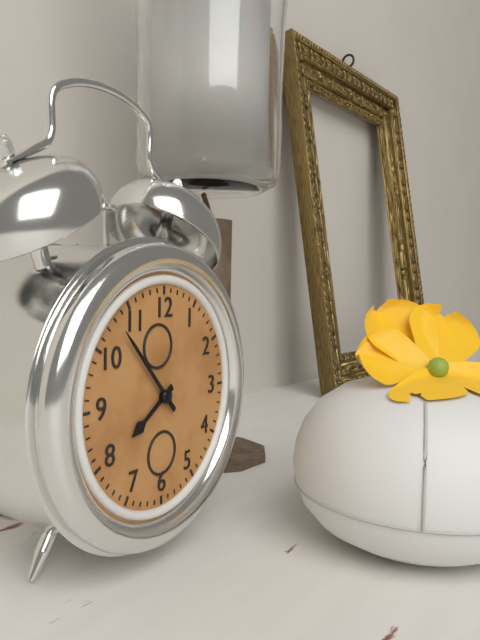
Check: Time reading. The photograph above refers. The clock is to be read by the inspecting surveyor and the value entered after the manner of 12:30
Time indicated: 7:53
